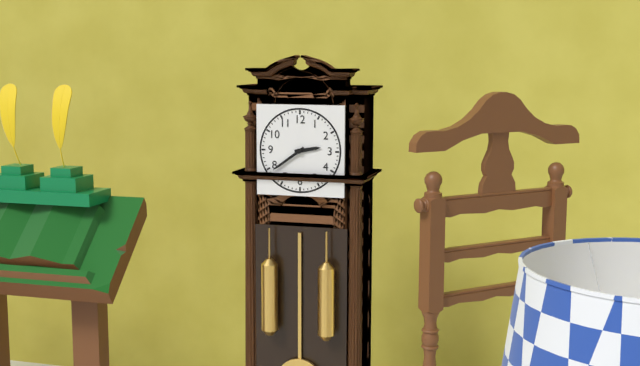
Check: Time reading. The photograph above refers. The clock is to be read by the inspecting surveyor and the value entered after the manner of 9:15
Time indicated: 2:39
